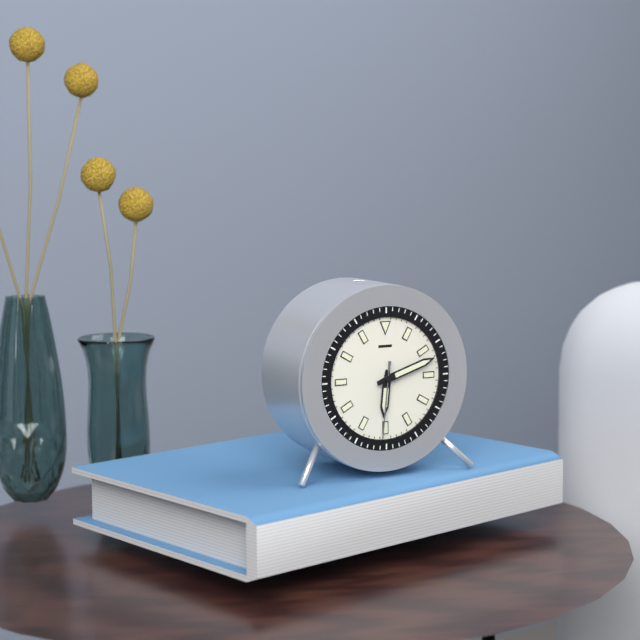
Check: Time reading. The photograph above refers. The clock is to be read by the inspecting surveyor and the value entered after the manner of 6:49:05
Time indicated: 6:12:31
